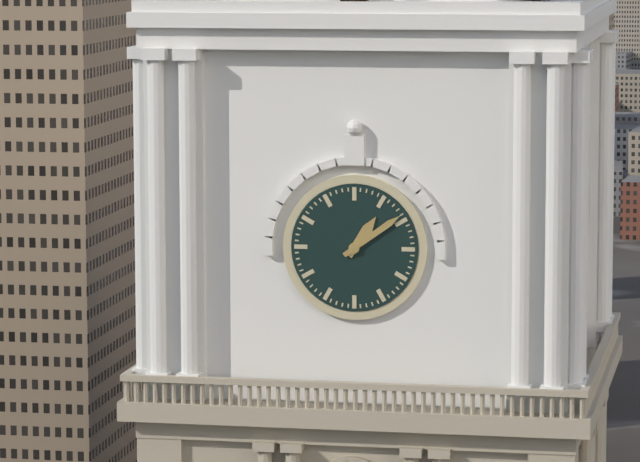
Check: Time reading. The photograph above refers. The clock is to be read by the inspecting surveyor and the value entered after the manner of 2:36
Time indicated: 1:09
